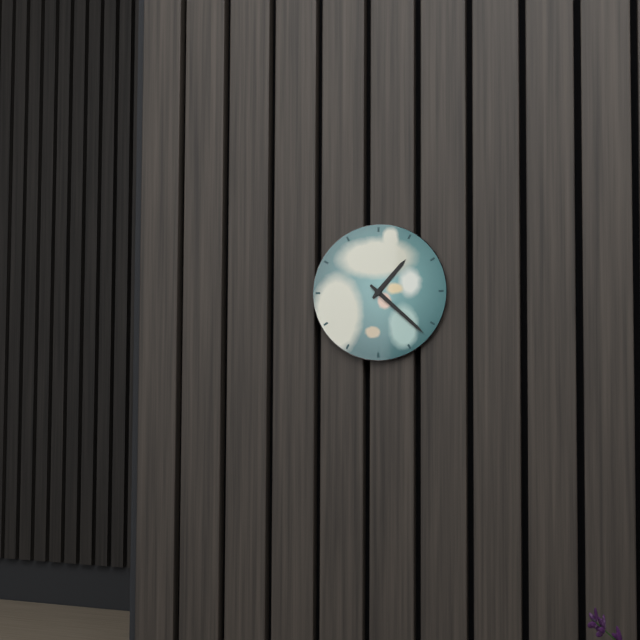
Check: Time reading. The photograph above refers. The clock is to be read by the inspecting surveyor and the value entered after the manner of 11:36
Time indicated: 1:22
